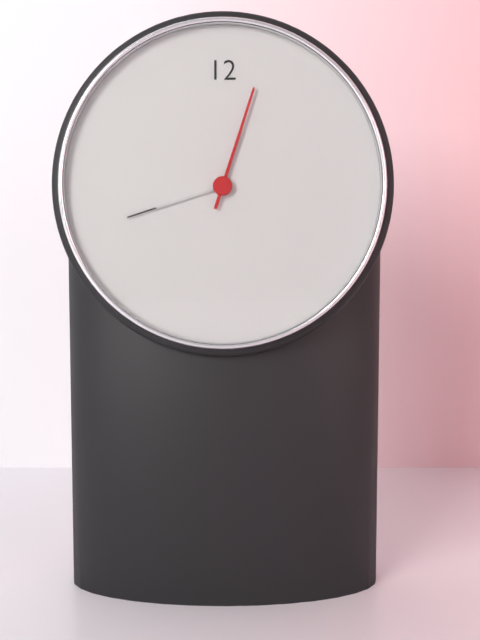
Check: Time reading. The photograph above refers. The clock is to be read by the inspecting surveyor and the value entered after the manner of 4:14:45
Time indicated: 12:42:03
